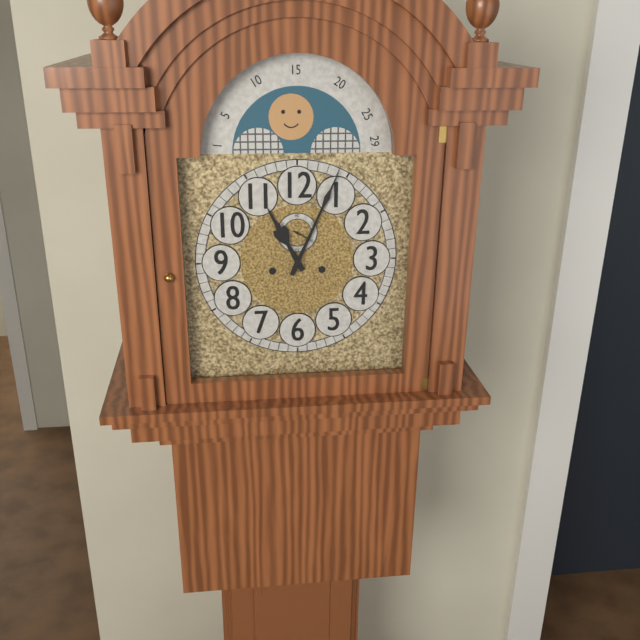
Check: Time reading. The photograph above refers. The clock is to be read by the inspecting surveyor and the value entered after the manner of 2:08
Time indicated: 11:04
